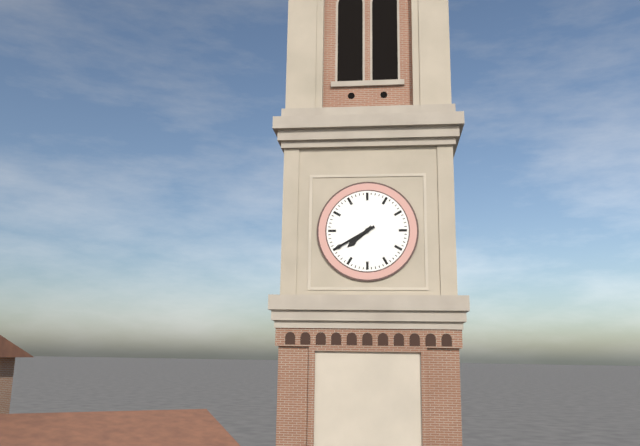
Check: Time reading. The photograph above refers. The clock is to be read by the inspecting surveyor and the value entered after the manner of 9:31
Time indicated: 7:40
